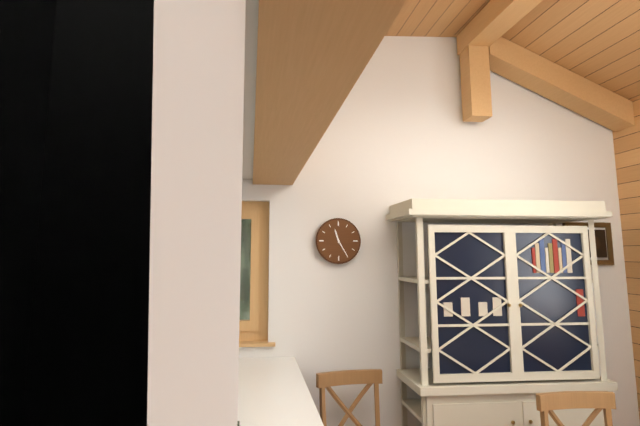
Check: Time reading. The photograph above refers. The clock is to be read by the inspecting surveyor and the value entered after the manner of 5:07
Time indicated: 11:25
